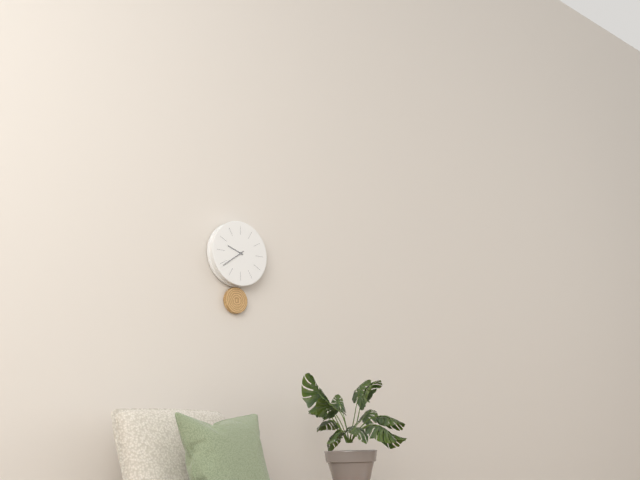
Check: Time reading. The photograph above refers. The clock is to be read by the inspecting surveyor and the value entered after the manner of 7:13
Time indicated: 9:39
